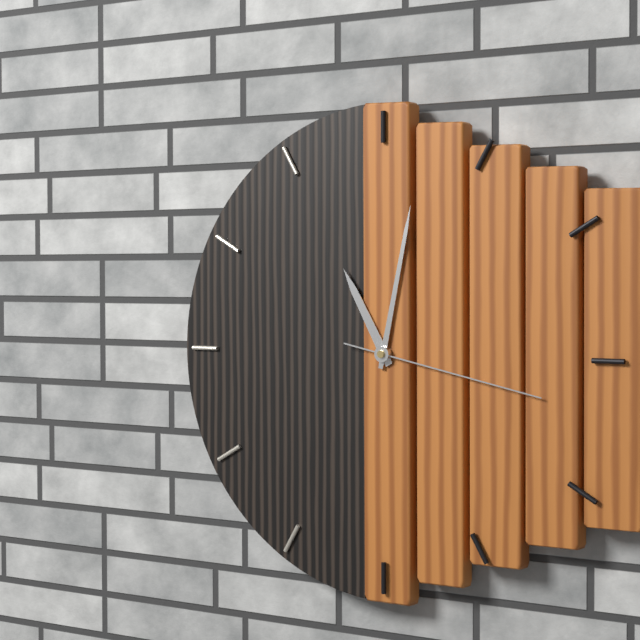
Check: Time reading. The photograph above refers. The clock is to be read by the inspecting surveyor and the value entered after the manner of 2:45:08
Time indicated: 11:02:17
